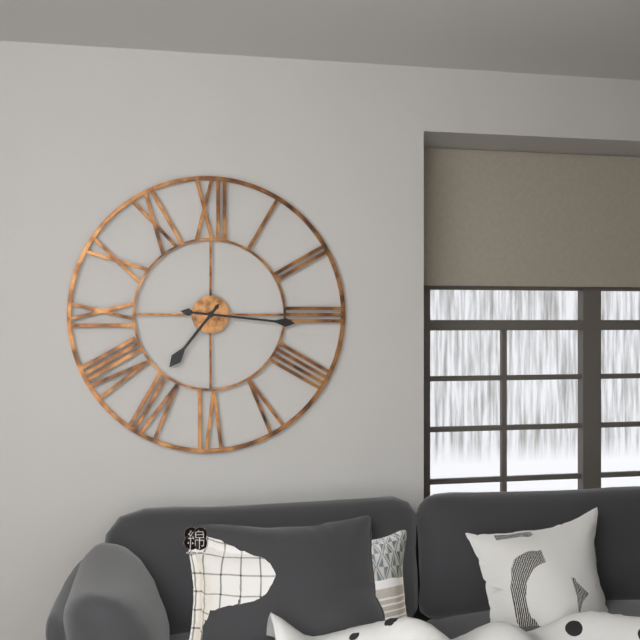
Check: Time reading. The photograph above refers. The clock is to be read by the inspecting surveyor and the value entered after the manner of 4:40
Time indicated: 7:16
